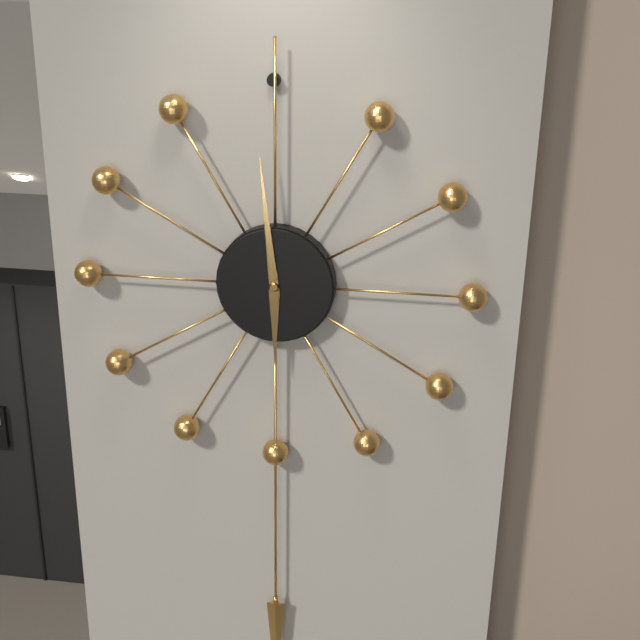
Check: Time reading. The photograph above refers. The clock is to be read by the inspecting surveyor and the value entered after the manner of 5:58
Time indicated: 5:59
